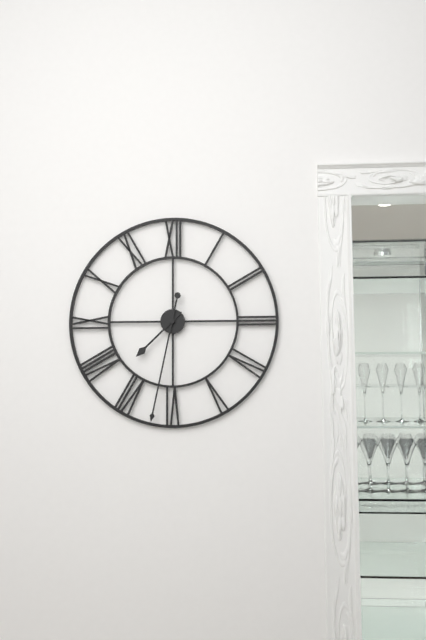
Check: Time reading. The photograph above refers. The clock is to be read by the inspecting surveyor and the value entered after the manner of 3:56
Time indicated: 7:32
